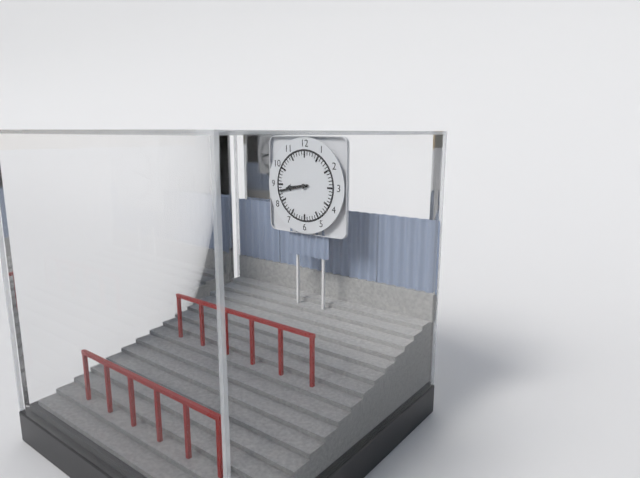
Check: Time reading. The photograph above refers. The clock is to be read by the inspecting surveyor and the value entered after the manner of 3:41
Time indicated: 8:43
